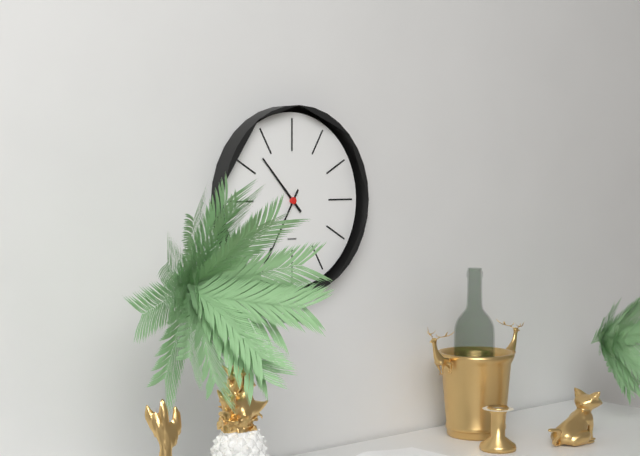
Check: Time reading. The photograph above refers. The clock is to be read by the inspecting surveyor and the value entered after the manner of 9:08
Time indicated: 10:35
